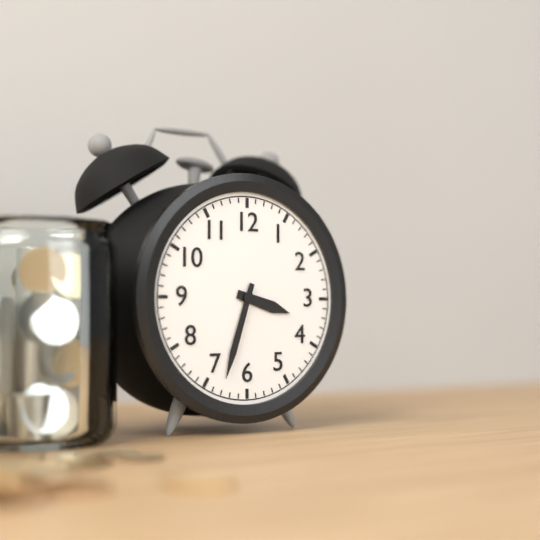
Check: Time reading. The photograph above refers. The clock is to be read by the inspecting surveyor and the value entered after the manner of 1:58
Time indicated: 3:33
